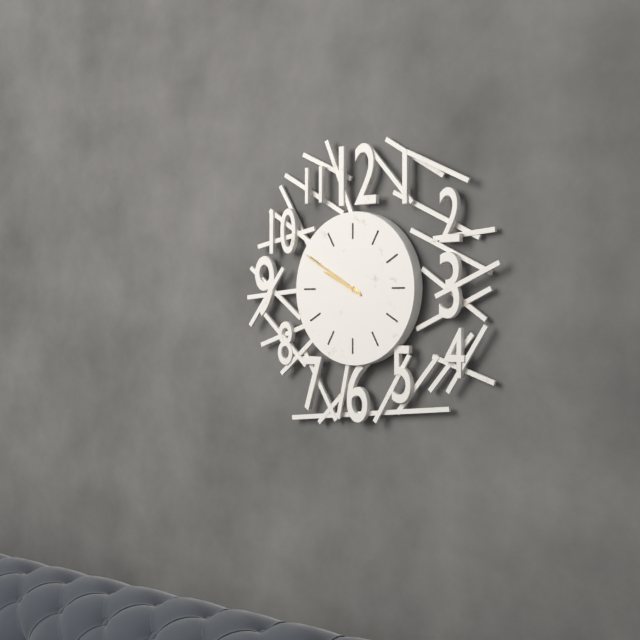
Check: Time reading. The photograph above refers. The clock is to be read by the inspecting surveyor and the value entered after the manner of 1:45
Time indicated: 9:50
